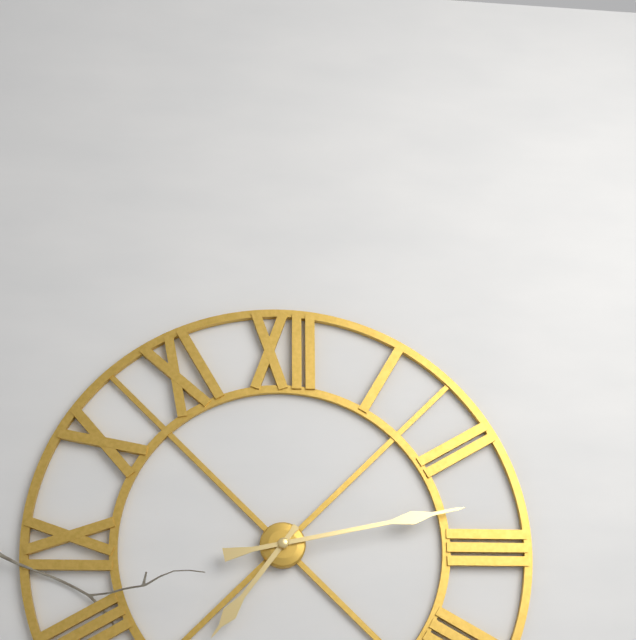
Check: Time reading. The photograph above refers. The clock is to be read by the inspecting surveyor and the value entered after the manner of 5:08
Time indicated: 7:13
